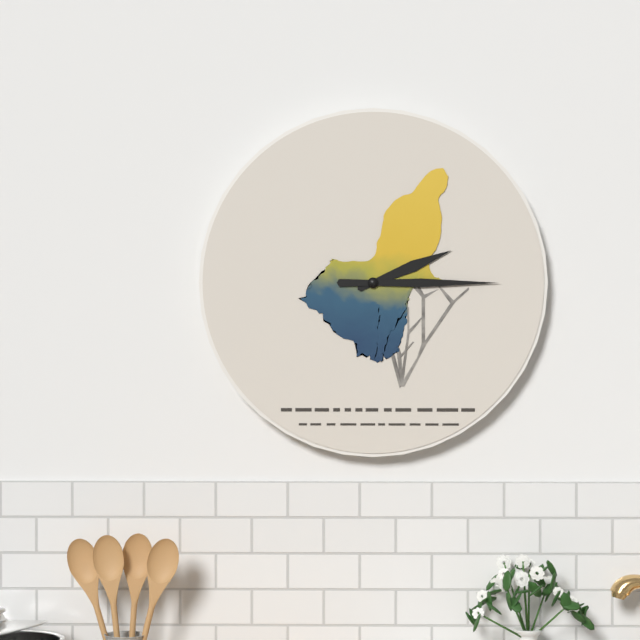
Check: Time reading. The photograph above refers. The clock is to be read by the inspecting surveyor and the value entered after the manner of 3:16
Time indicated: 2:15
